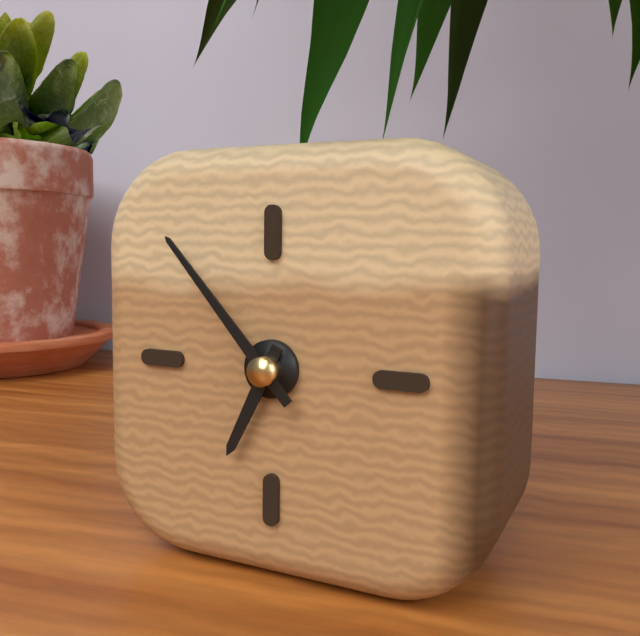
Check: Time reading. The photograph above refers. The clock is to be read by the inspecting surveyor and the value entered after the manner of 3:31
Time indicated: 6:53
